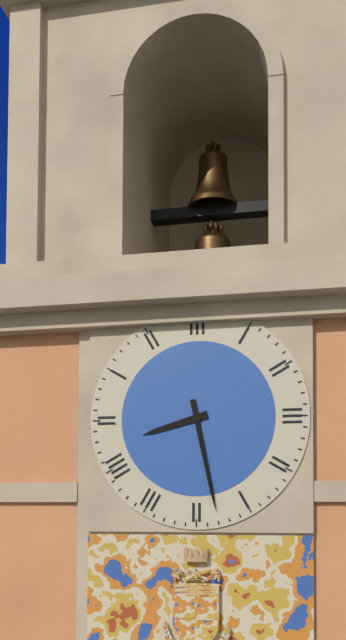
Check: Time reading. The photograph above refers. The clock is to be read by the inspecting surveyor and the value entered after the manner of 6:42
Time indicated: 8:28
